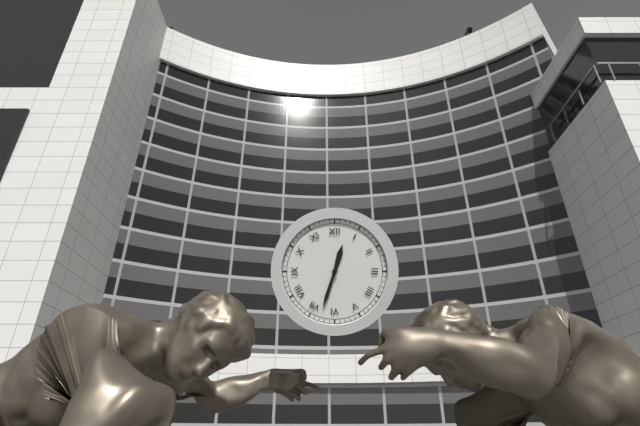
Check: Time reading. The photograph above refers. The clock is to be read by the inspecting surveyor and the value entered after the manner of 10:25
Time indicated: 12:33
